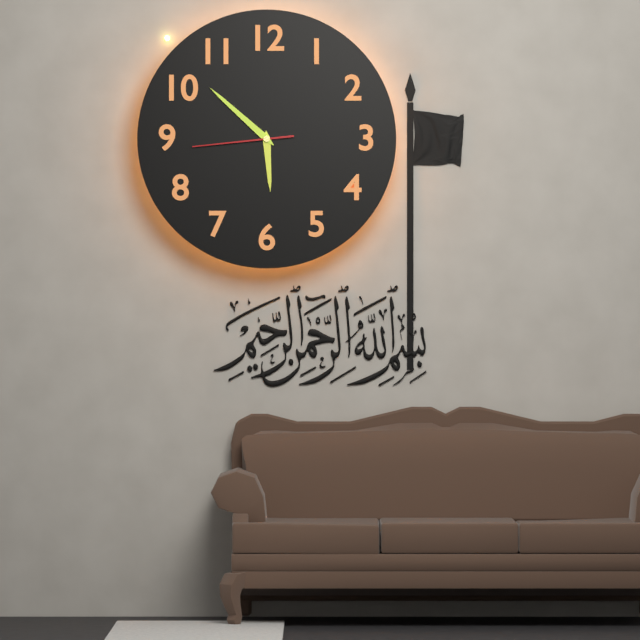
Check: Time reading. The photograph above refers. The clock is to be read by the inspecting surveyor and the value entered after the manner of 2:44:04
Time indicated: 5:52:44
